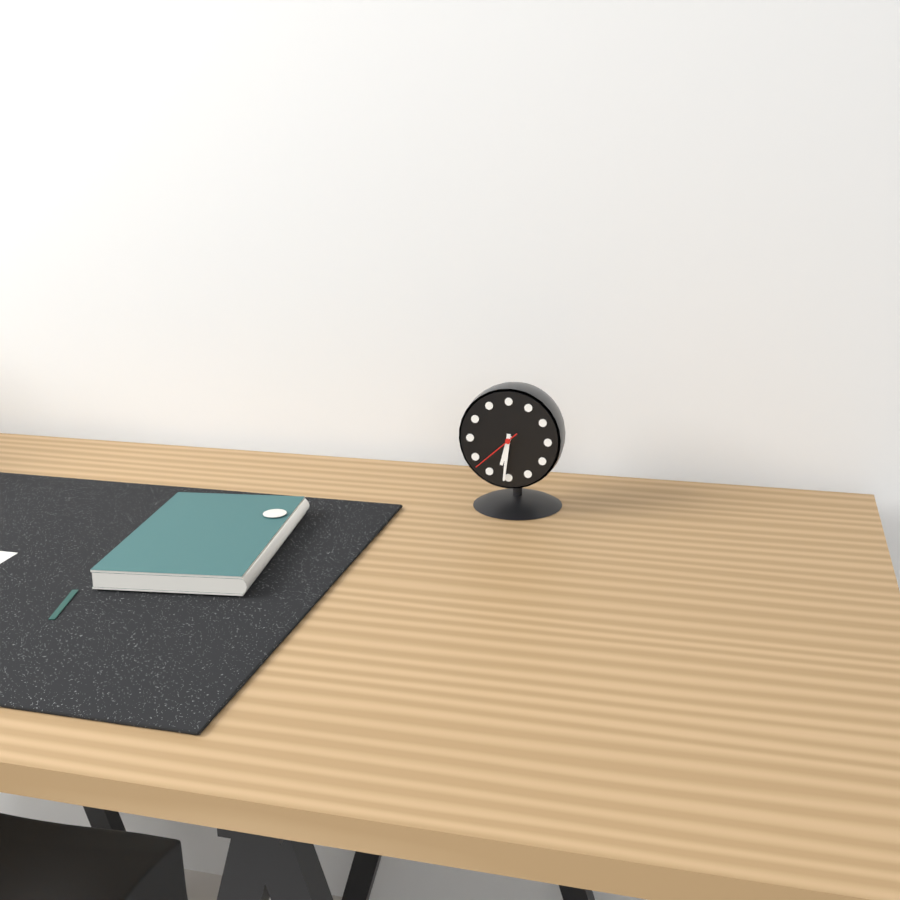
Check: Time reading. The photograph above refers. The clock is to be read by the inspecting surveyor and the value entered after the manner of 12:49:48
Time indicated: 6:31:38
